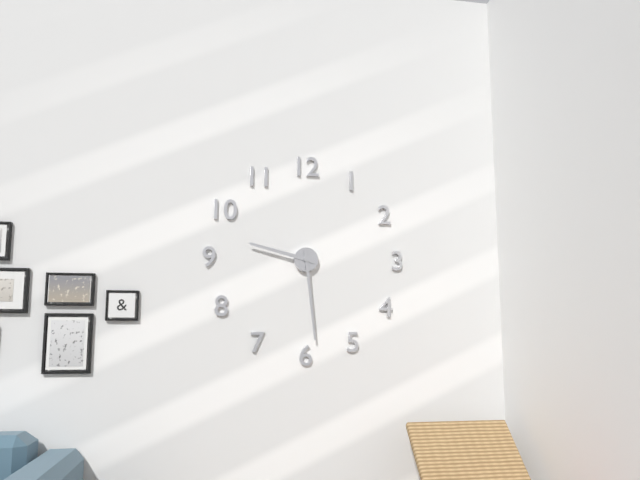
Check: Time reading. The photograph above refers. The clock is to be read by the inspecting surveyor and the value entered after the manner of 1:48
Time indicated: 9:29
